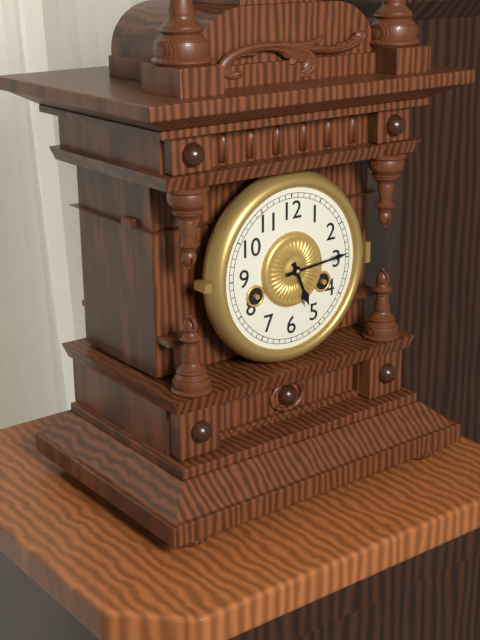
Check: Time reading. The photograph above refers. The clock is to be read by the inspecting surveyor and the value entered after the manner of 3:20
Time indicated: 5:14
